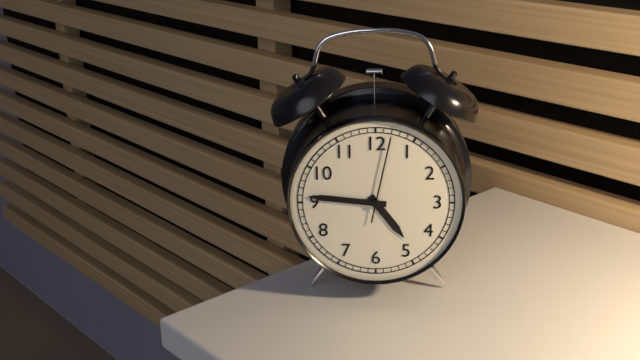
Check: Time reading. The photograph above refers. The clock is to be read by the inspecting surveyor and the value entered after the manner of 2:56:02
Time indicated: 4:46:02
